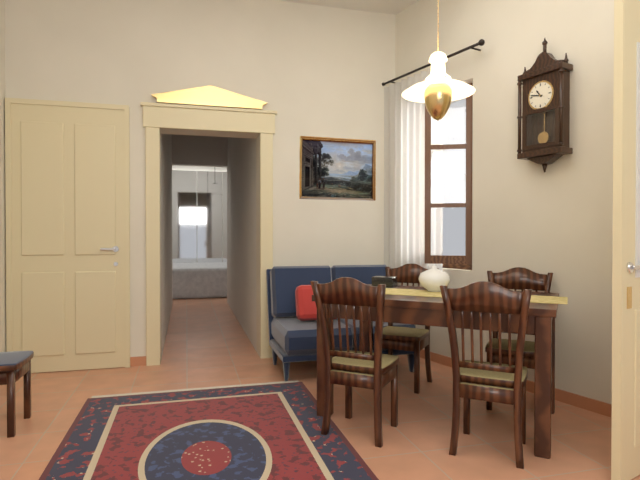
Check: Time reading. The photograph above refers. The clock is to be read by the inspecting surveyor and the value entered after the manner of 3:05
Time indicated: 10:47
